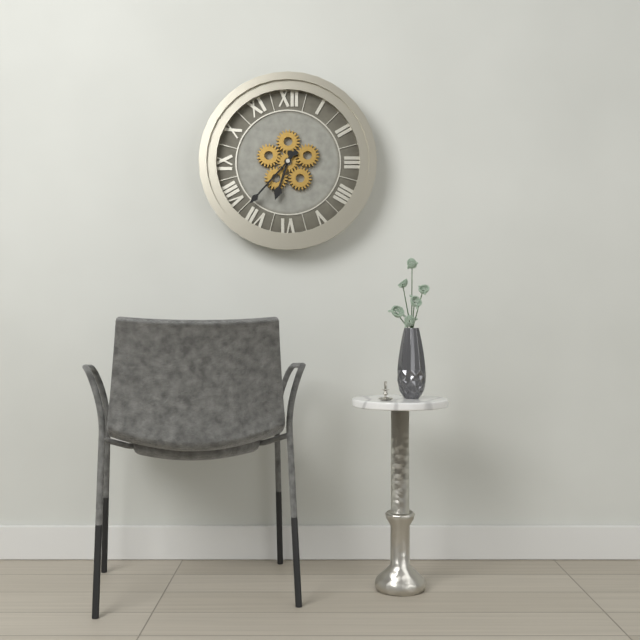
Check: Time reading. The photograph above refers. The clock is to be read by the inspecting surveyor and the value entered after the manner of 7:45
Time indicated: 6:37
